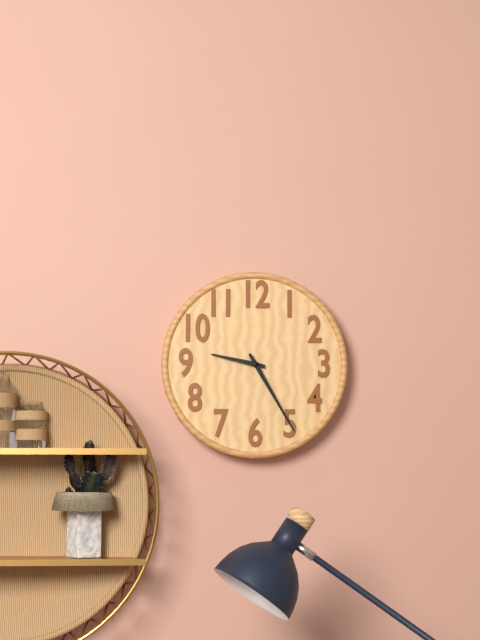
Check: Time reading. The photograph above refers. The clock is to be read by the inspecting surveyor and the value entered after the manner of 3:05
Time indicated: 9:25
